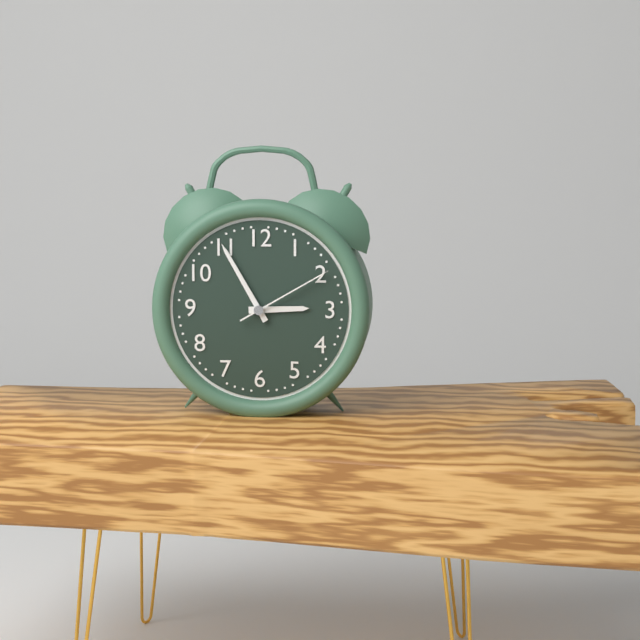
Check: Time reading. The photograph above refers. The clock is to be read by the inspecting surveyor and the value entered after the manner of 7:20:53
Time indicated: 2:55:10
